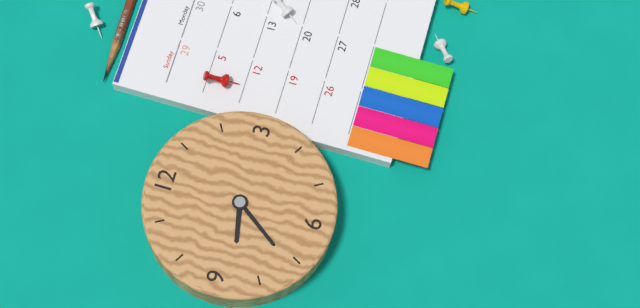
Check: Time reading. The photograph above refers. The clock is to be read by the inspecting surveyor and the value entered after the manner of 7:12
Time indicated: 8:36
